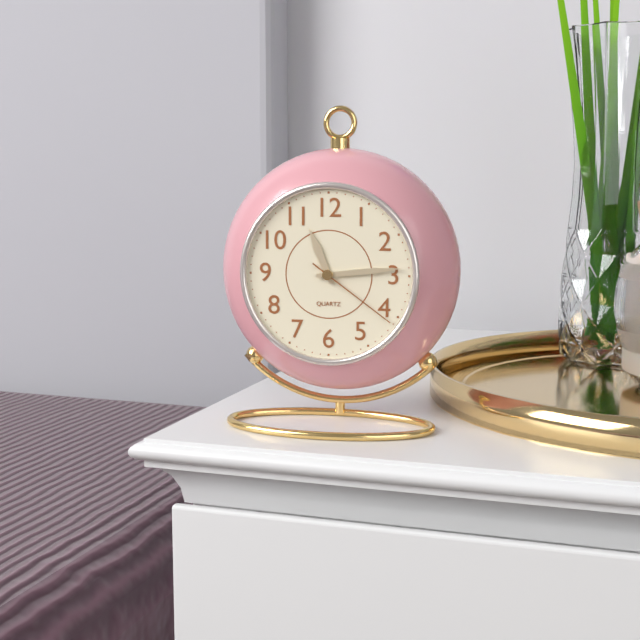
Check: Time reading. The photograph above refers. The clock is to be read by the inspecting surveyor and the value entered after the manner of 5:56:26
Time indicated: 11:14:21
